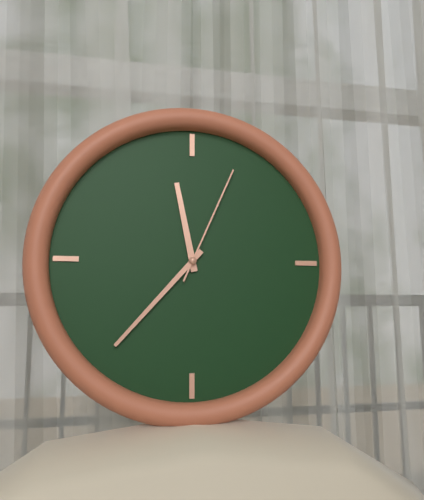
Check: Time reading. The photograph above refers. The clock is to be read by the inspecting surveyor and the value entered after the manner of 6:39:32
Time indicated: 11:37:04
